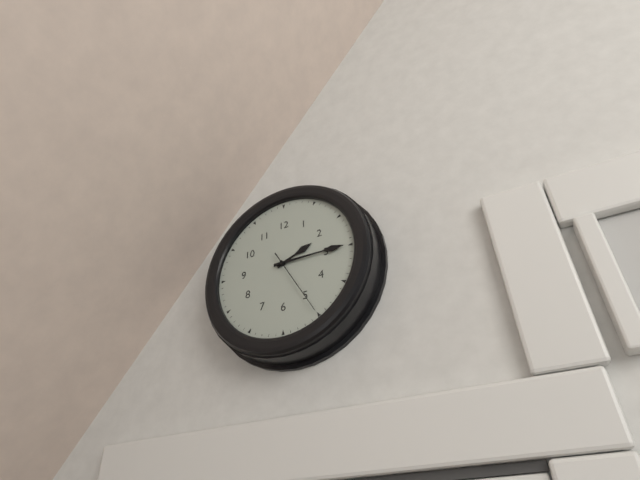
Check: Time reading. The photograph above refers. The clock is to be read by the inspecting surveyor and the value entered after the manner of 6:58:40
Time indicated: 2:15:25
